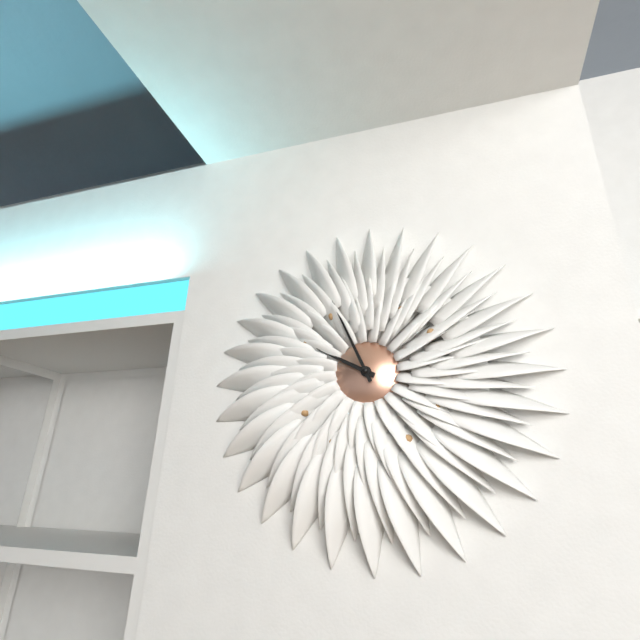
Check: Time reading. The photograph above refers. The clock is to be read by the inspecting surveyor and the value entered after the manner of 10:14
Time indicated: 9:56
